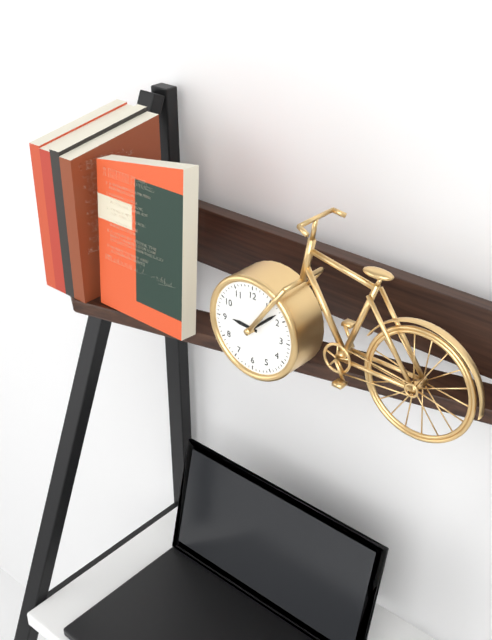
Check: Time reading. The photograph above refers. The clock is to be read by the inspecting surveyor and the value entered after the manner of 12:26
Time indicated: 9:08
